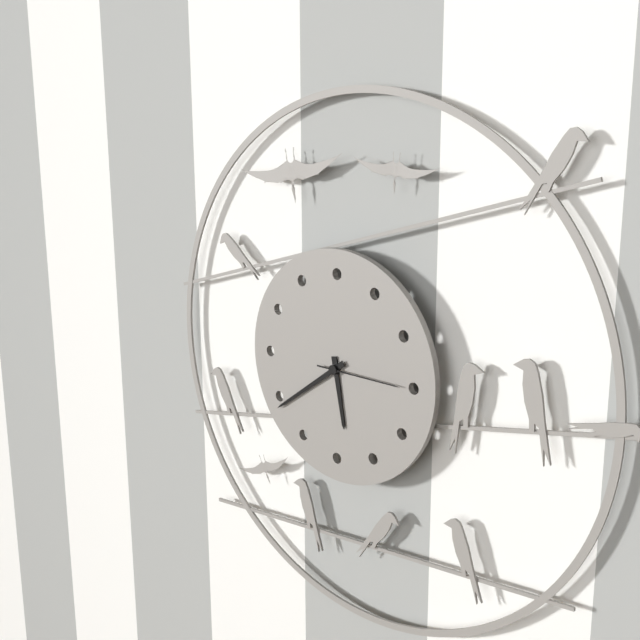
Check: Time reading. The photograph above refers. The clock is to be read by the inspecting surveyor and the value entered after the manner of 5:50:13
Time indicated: 5:39:15
